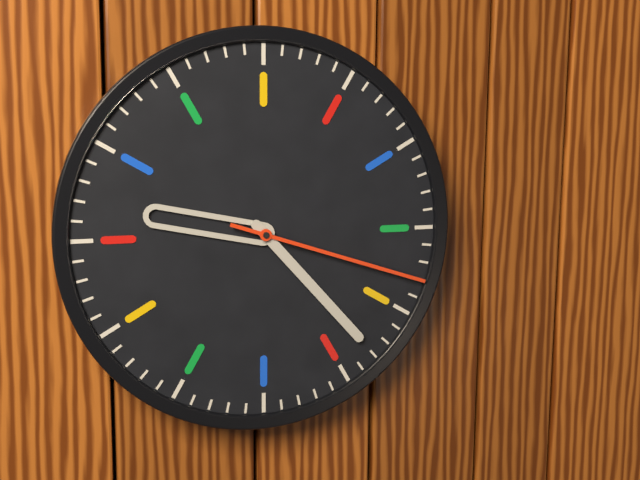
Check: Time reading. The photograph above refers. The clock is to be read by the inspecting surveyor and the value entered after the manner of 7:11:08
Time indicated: 9:23:18
